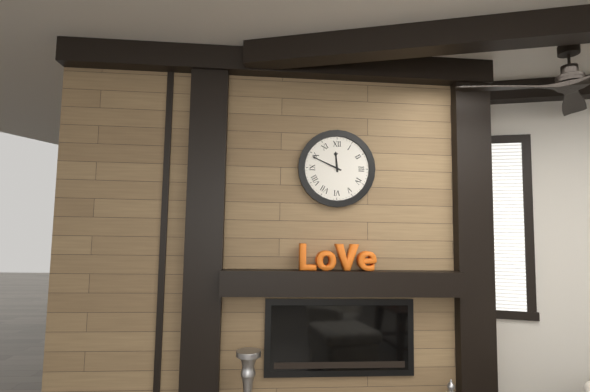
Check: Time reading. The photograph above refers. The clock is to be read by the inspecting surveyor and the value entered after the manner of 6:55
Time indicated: 11:49
